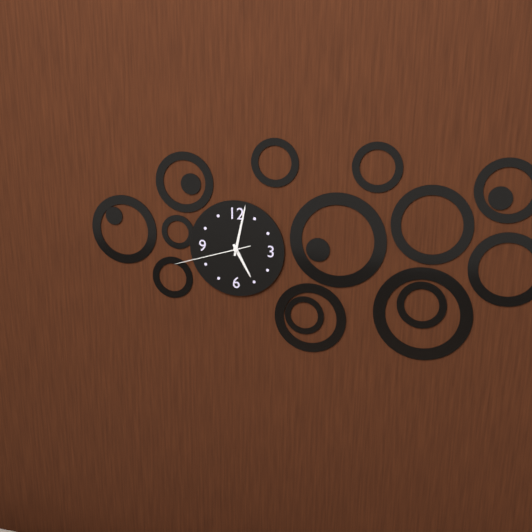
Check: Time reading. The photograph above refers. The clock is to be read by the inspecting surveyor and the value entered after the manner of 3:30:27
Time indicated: 5:02:42
